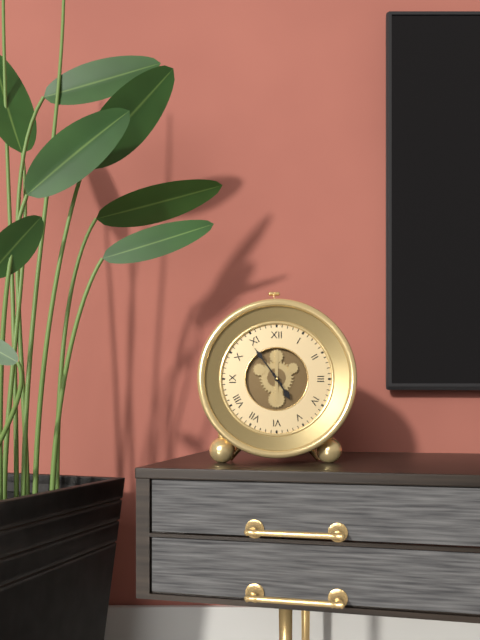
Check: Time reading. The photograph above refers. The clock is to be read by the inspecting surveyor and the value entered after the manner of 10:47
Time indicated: 4:54
